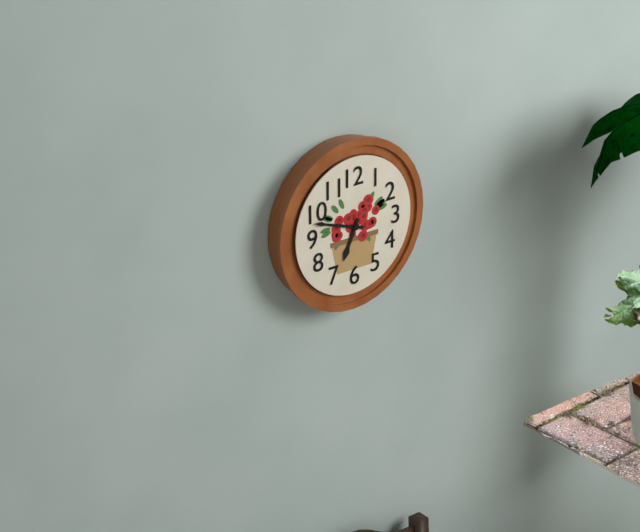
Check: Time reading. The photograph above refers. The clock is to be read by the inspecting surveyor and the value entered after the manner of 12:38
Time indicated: 6:48
